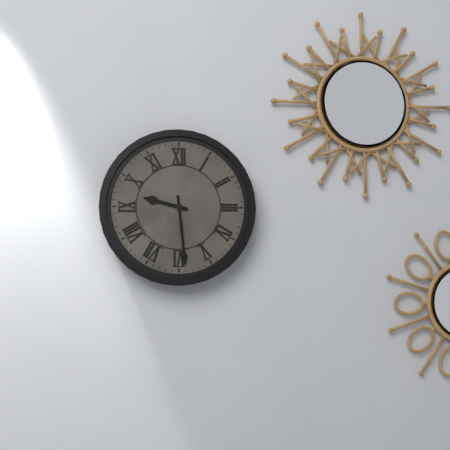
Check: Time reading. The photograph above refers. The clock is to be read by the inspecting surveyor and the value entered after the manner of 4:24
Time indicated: 9:29
